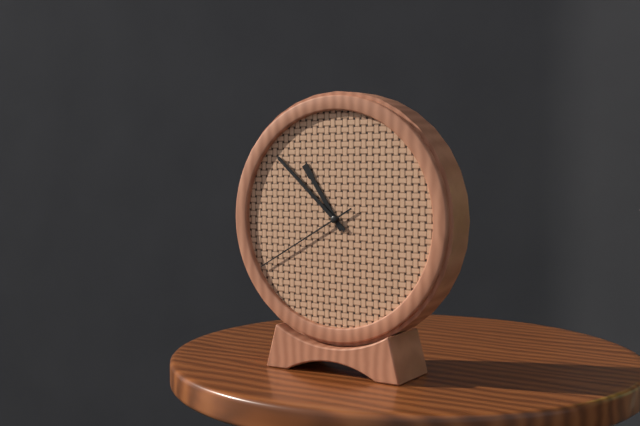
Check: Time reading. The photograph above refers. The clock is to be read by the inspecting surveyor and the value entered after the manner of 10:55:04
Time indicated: 10:52:40
